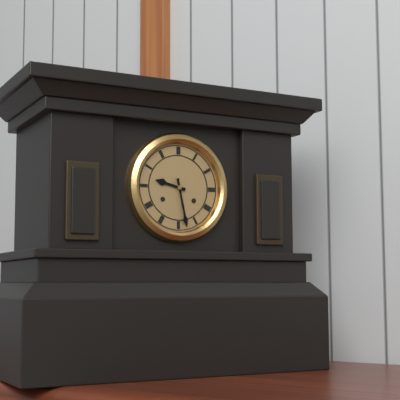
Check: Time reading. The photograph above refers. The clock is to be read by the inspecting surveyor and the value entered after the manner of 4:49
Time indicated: 9:28
